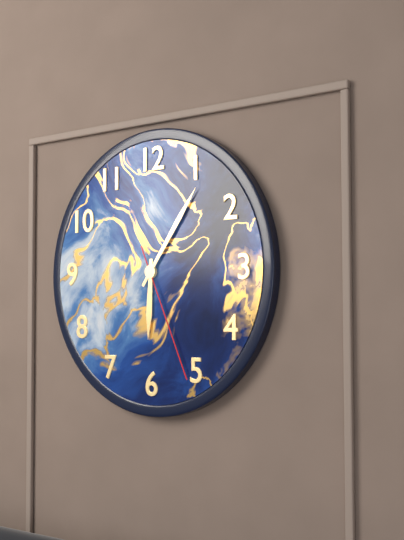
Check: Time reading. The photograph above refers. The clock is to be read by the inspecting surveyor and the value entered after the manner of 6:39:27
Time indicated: 6:06:26
